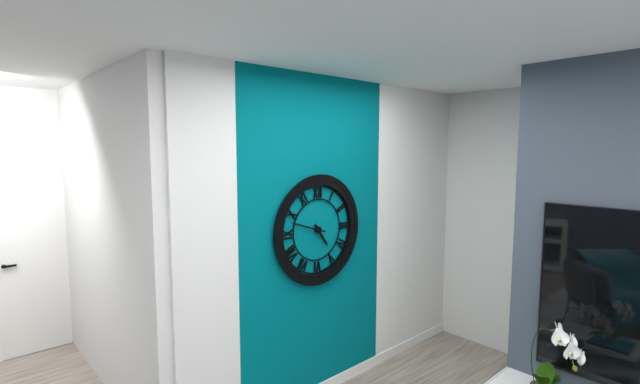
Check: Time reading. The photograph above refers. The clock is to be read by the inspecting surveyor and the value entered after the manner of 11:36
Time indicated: 4:48
